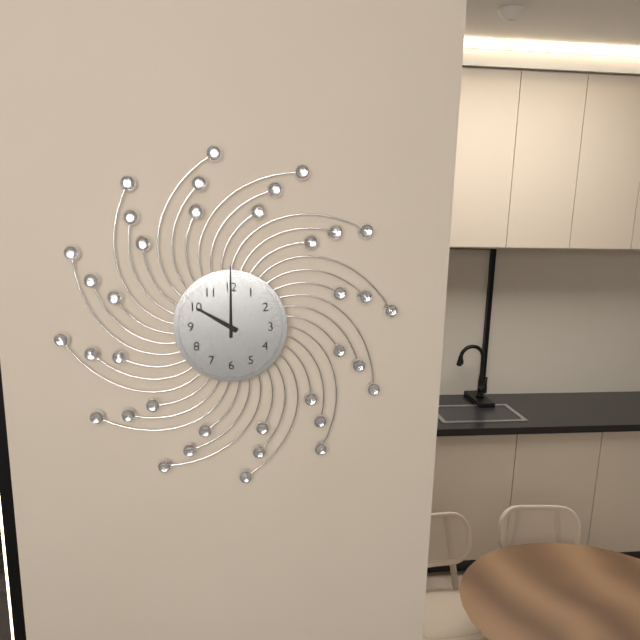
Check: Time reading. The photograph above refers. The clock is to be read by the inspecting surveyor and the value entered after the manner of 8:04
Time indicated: 10:00
